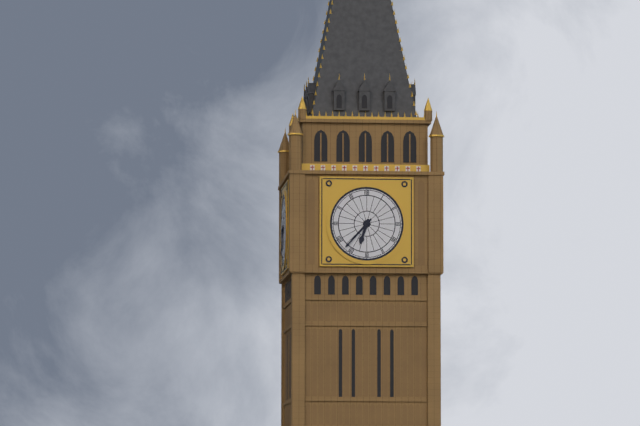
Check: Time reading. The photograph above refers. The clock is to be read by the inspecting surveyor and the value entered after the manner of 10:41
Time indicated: 6:37
